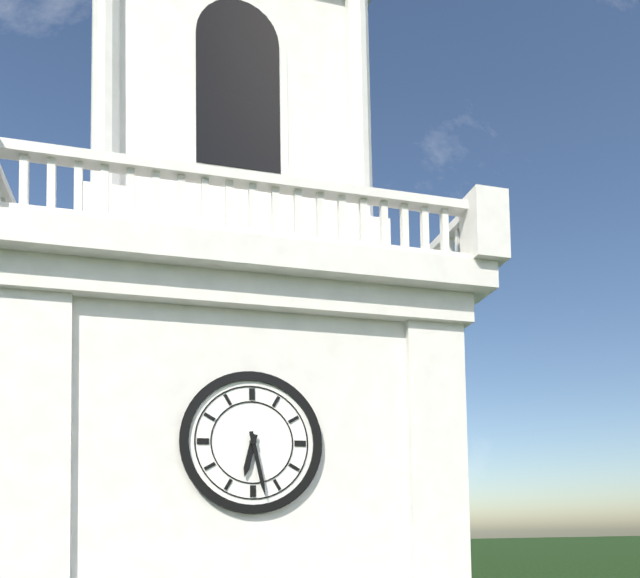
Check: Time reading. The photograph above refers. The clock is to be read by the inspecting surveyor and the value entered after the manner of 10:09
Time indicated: 6:28
